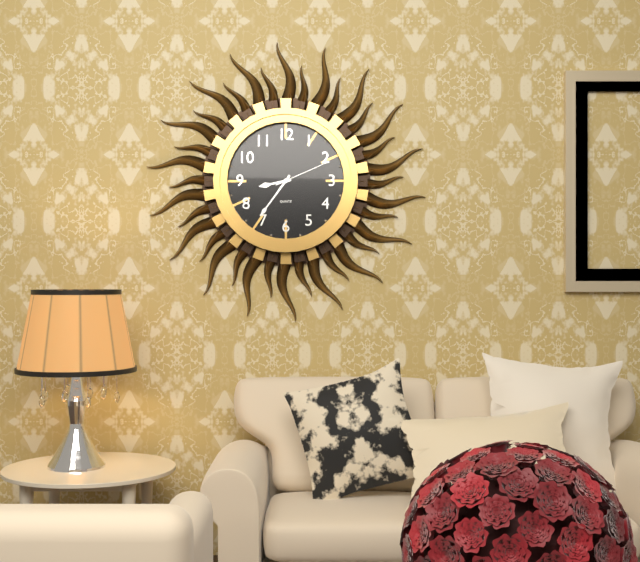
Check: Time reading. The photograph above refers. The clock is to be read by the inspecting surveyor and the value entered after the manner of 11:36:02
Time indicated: 8:36:11
